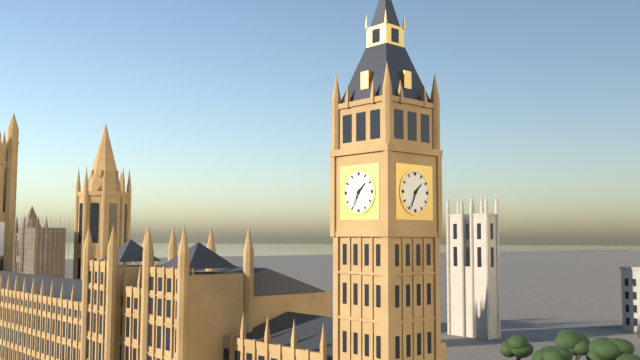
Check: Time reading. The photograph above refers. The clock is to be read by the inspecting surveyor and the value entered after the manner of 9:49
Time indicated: 1:34
